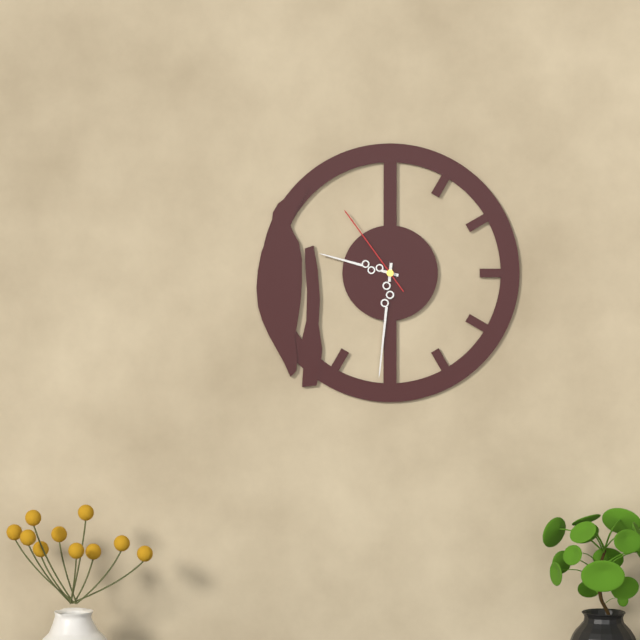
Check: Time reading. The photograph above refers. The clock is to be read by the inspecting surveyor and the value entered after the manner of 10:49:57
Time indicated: 9:31:54
